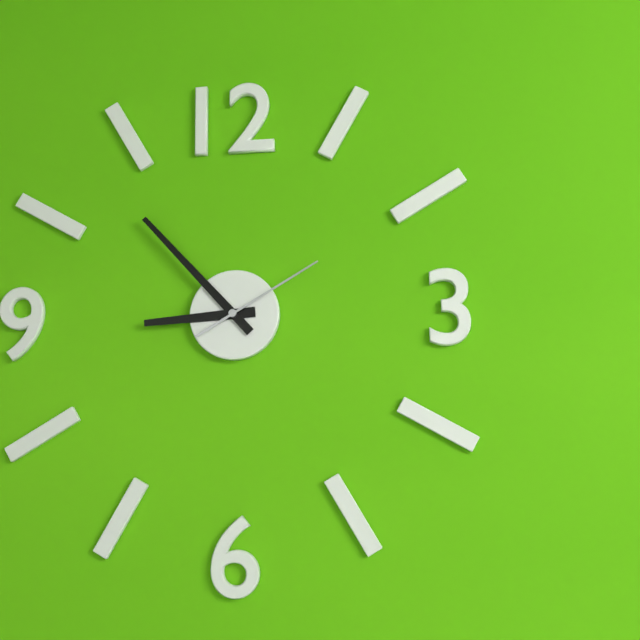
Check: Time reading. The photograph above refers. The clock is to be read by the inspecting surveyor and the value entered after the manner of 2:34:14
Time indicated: 8:53:10
